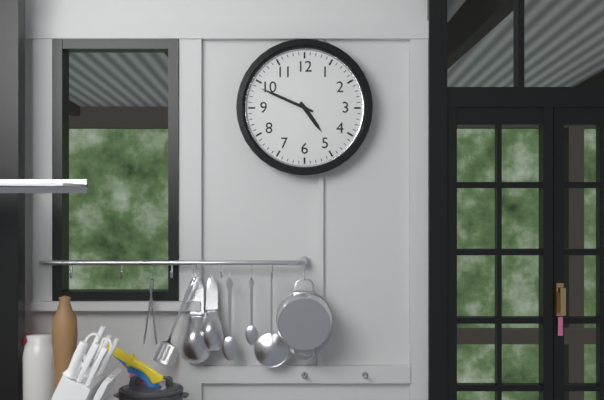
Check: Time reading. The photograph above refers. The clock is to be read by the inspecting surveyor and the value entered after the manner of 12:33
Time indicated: 4:49
